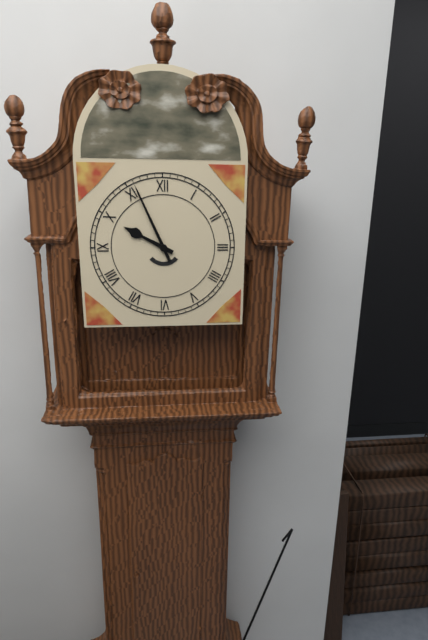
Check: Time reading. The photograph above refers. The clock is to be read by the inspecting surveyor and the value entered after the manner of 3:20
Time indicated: 9:56
